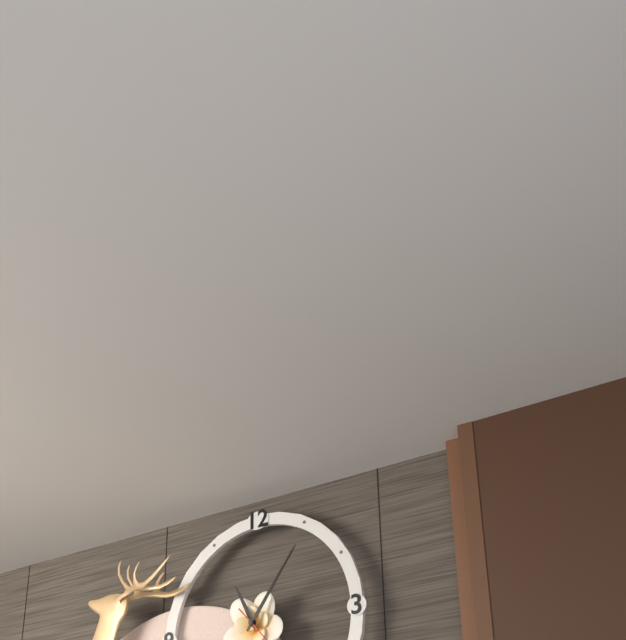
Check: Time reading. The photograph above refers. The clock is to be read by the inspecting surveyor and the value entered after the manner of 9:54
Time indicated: 11:06
